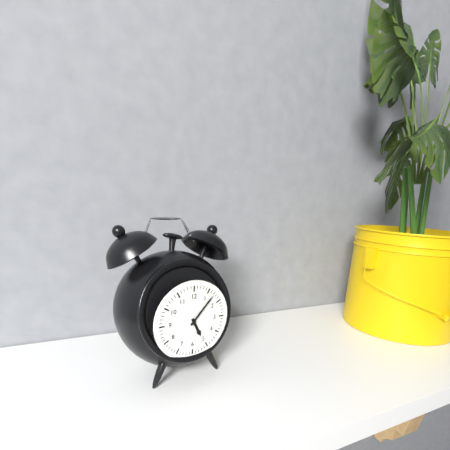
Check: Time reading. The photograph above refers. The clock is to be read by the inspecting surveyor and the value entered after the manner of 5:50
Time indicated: 5:07
